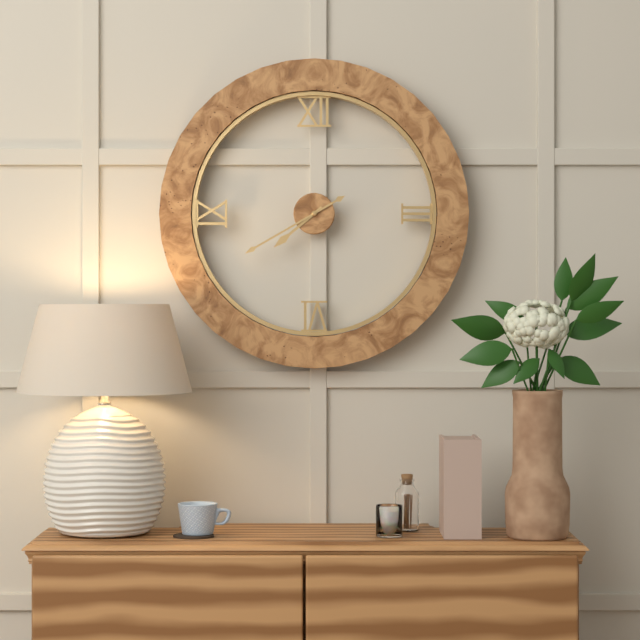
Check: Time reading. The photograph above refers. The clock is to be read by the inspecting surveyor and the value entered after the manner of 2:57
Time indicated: 7:40
